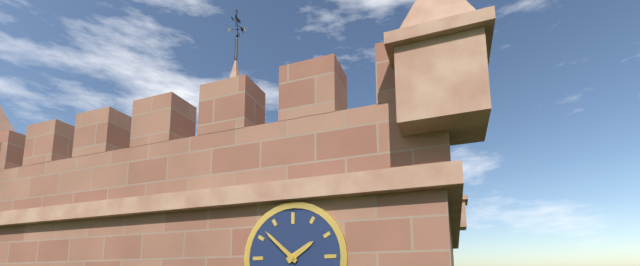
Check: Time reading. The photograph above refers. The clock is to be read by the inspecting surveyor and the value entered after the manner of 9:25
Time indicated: 1:52
